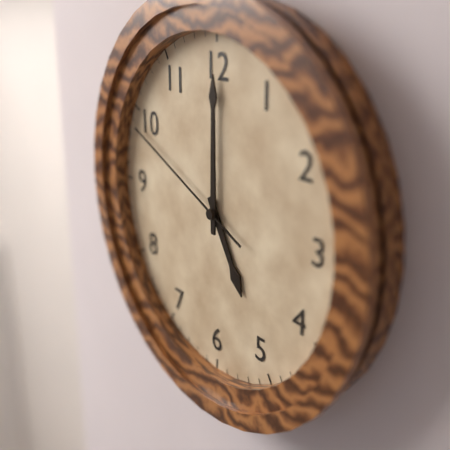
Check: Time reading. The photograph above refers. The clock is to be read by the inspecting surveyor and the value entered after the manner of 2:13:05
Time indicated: 5:00:49
